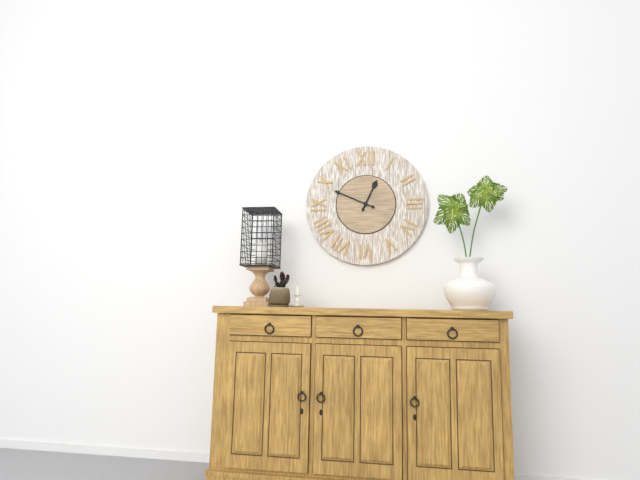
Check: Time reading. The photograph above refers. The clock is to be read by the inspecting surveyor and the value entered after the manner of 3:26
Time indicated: 12:49
